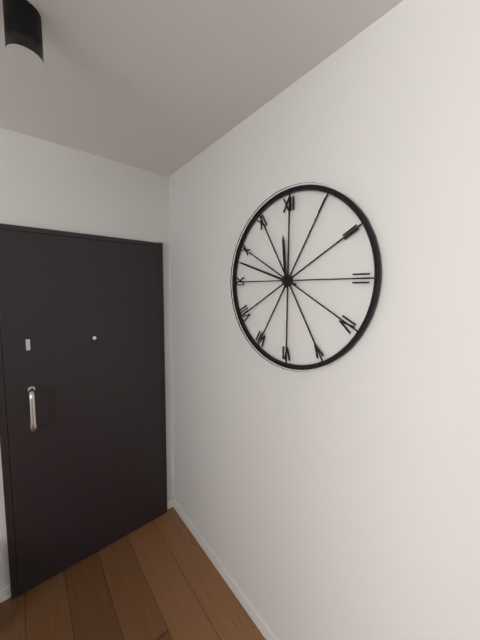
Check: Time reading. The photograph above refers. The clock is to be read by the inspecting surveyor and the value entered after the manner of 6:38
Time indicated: 11:48
